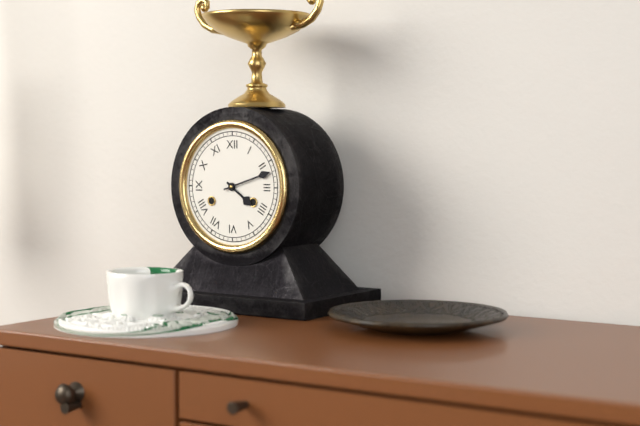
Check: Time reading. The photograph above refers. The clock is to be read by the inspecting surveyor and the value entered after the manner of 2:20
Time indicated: 4:12
